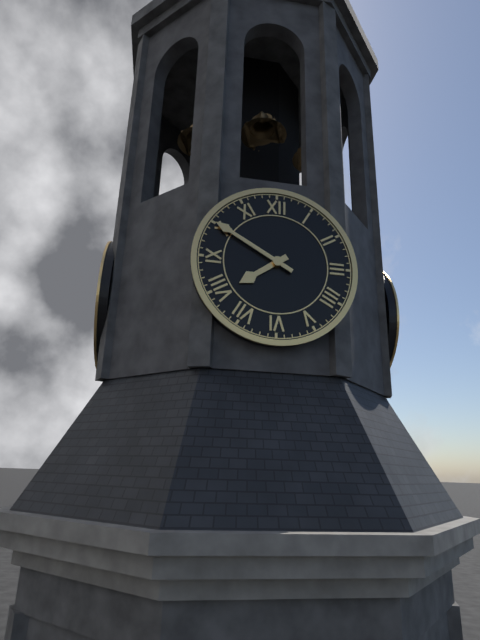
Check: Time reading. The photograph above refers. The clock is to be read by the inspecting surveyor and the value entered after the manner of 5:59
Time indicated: 7:50
